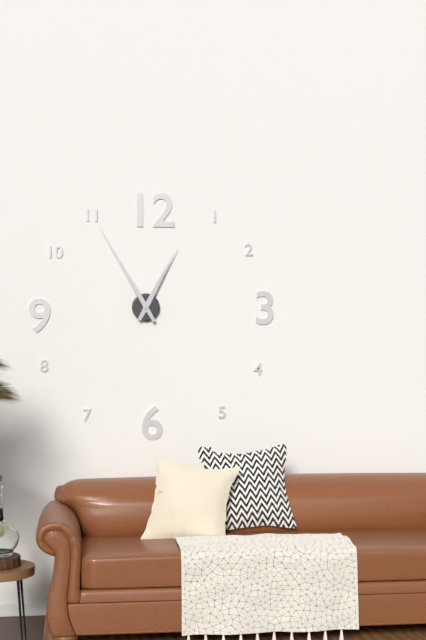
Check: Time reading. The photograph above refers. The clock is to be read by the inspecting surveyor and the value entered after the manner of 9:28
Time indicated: 12:55
